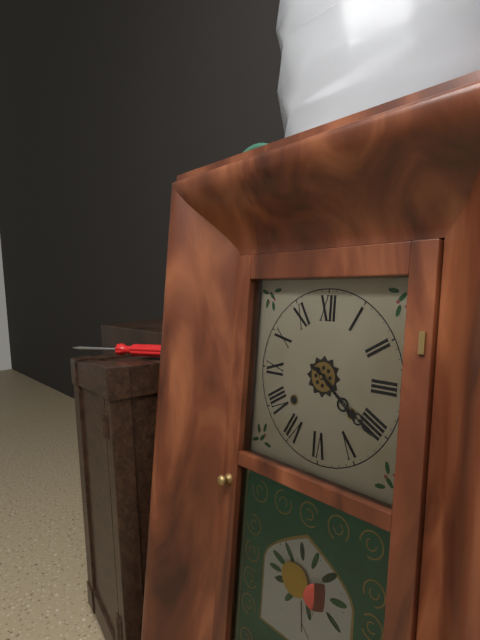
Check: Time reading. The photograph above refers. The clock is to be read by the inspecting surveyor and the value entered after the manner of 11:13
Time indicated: 4:21
